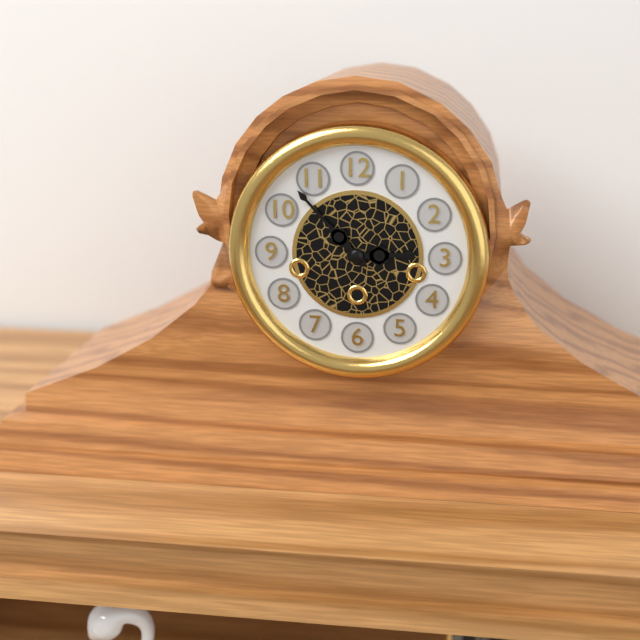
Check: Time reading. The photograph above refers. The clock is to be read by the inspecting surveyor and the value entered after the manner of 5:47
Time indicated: 2:53
